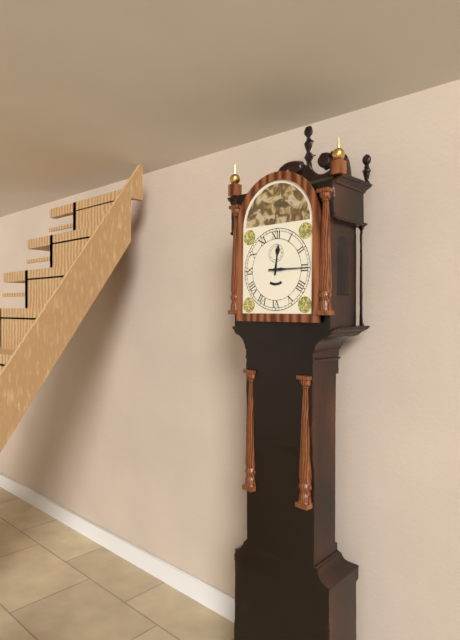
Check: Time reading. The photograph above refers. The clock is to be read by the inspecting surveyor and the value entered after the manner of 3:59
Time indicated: 12:15
